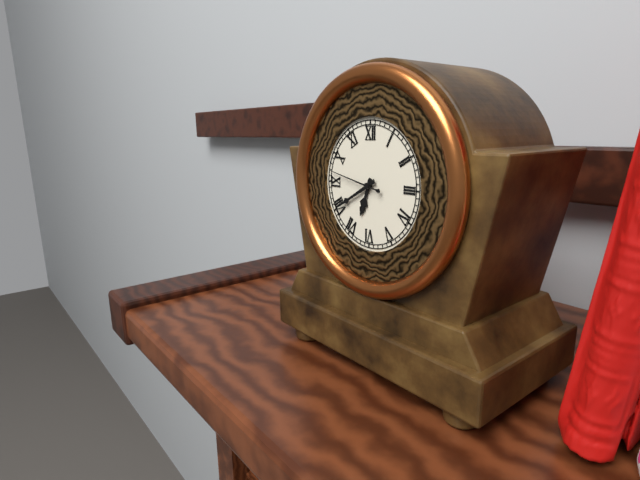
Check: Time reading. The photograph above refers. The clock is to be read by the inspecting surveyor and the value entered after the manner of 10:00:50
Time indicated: 6:40:47
